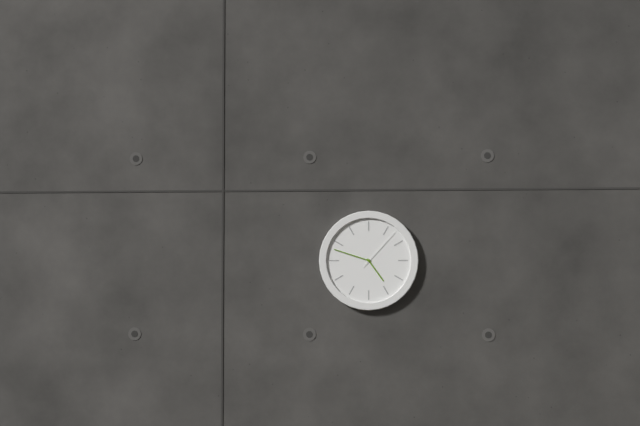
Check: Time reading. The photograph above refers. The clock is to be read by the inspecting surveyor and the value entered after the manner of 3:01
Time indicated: 4:48
